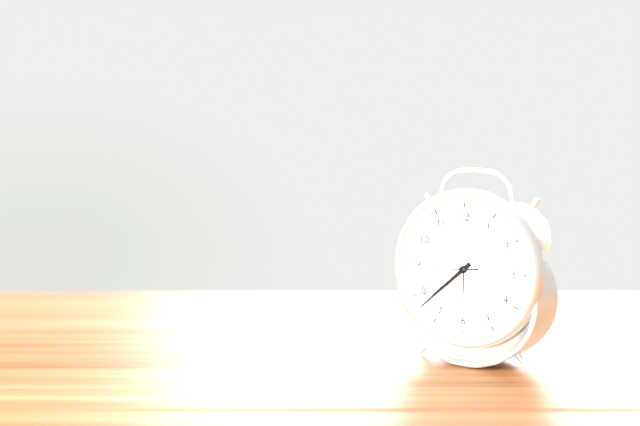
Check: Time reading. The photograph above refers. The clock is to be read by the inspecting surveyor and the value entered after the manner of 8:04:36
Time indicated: 7:38:44
